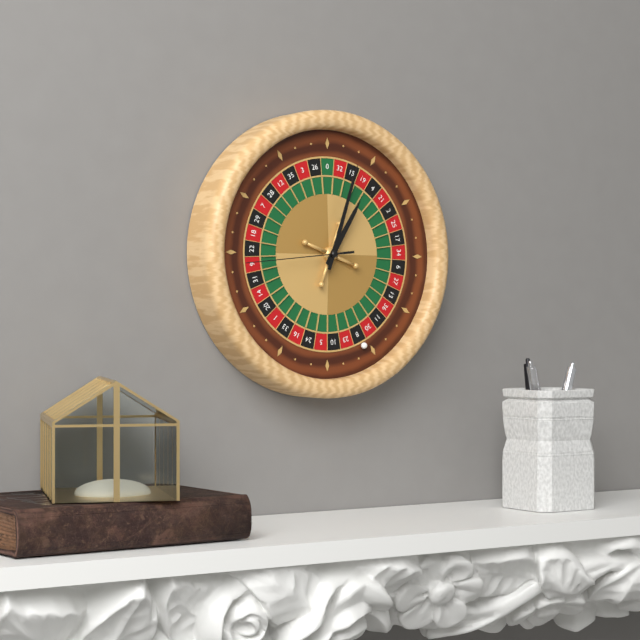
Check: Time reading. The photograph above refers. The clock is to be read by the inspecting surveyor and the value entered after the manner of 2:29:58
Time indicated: 1:03:44
